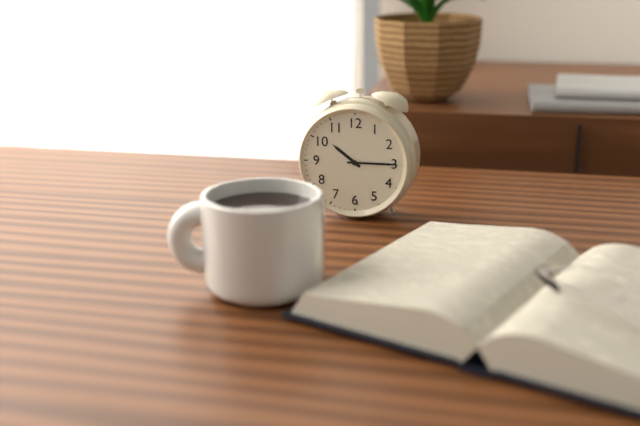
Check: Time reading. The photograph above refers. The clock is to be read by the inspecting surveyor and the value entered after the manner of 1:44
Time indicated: 10:15
